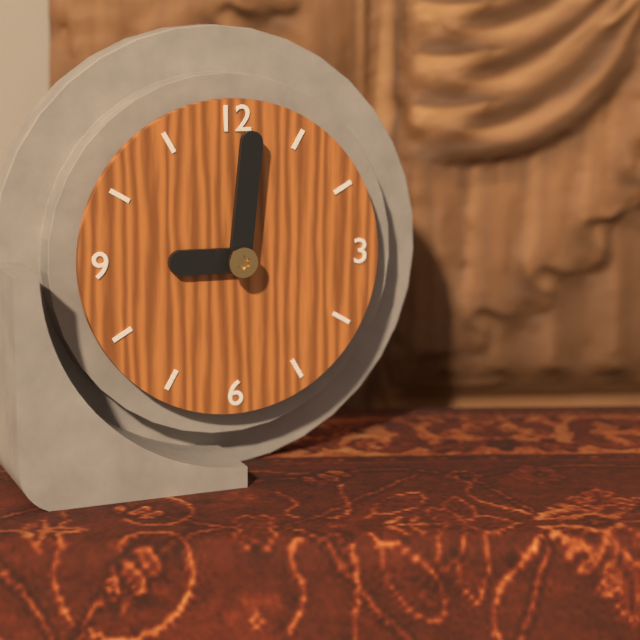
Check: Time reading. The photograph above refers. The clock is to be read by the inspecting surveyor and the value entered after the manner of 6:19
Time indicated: 9:01
